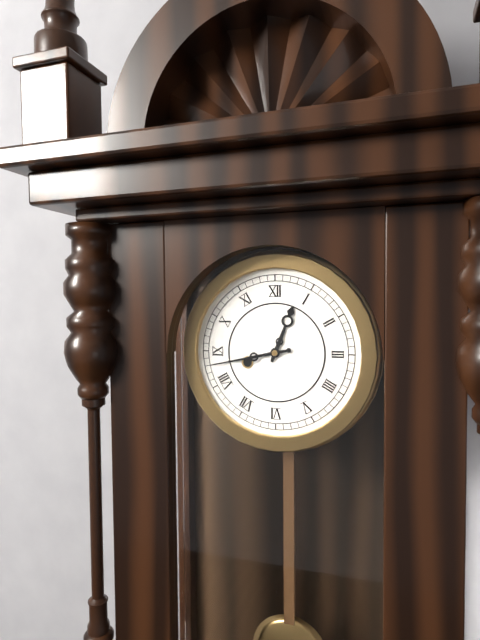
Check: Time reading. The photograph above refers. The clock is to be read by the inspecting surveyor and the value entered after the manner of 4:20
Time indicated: 12:43
